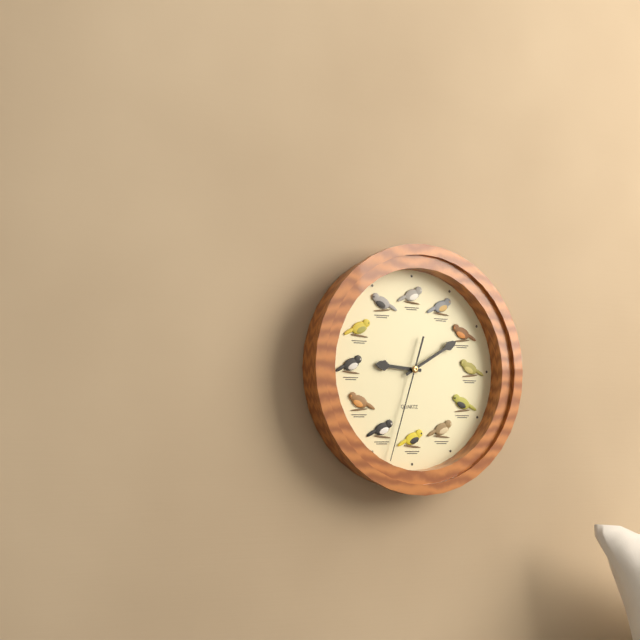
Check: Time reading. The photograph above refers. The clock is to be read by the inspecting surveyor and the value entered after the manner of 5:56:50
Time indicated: 9:10:33
